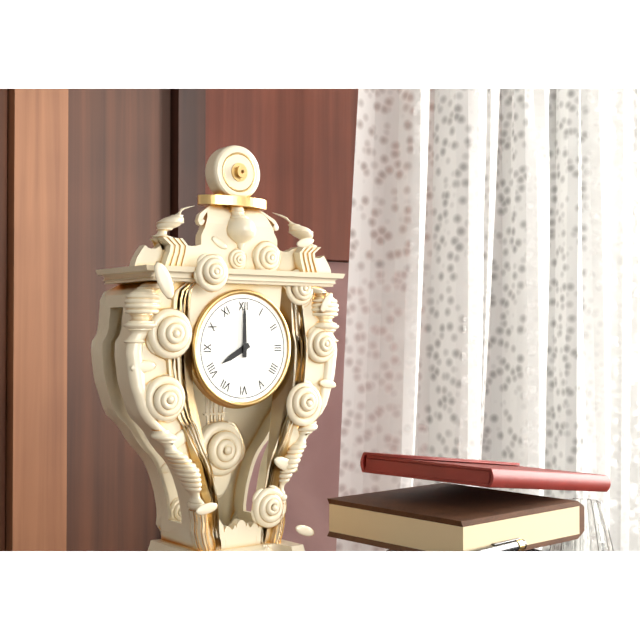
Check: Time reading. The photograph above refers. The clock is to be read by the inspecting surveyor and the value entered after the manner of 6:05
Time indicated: 8:00
